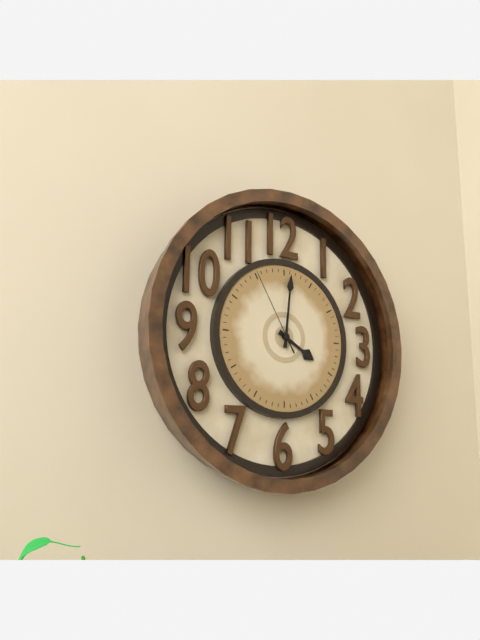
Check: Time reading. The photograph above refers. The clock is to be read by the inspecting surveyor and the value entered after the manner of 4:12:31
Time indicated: 4:01:55
